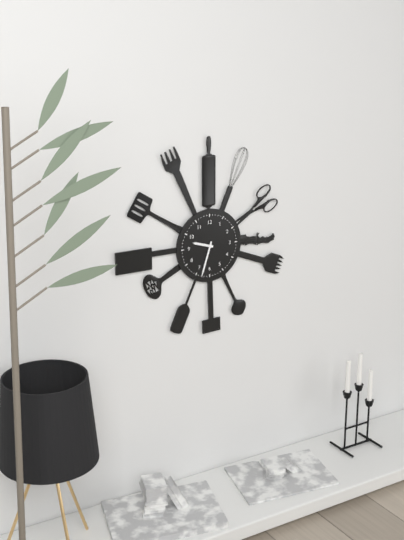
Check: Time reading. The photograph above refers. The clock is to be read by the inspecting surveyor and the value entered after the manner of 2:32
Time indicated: 9:33
